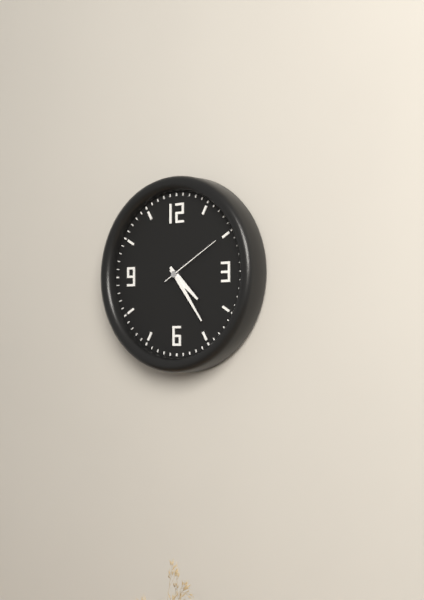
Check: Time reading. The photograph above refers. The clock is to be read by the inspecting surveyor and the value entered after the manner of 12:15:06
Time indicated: 4:24:10
